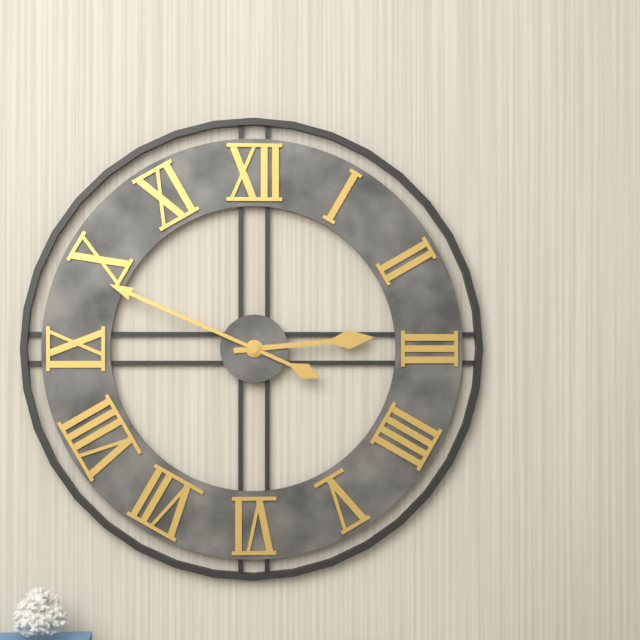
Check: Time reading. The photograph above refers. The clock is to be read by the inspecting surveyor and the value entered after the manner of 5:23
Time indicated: 2:49
